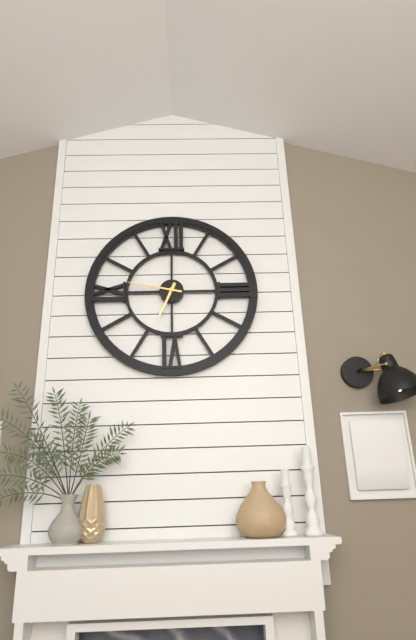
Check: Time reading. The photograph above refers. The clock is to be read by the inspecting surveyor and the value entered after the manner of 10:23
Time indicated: 6:47
